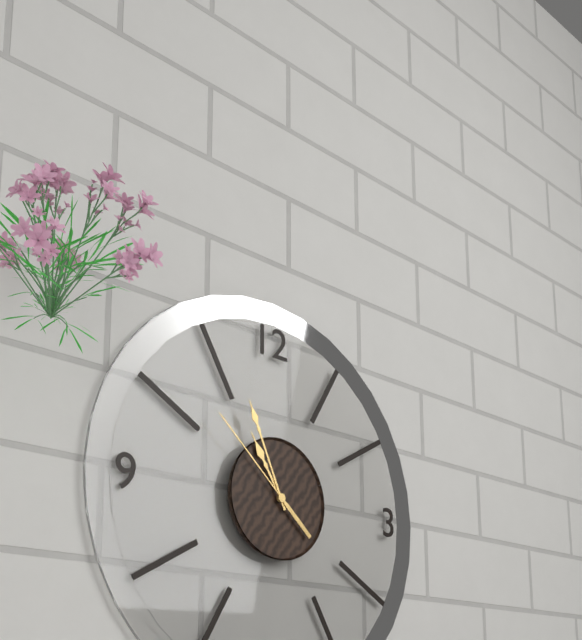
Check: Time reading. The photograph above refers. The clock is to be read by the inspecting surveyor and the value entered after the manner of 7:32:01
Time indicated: 10:56:52
